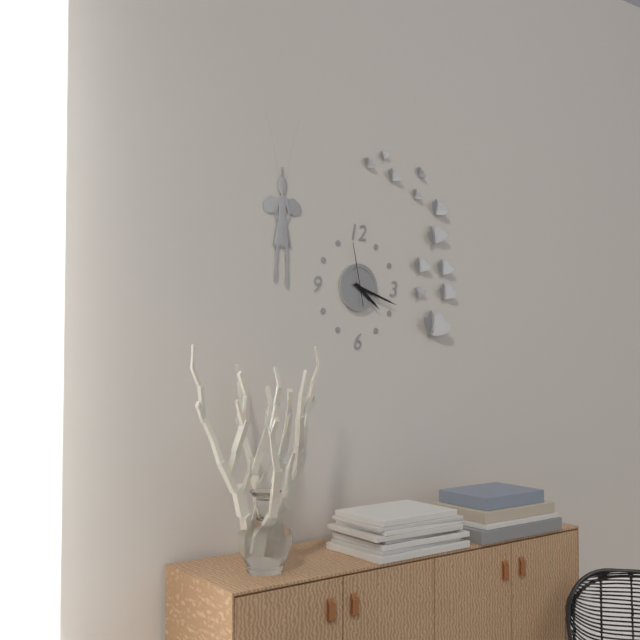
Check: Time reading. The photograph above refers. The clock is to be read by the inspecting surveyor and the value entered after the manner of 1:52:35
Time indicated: 4:18:58
